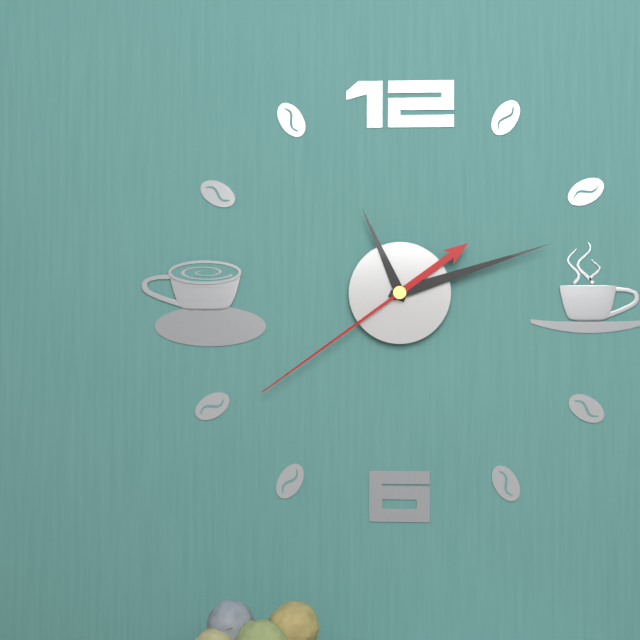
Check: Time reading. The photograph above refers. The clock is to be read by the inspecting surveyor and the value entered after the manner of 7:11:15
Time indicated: 11:12:39
